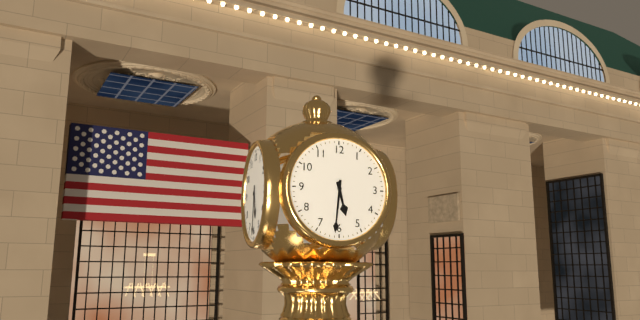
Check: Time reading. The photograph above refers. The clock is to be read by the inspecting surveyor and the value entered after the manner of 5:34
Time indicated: 5:31
